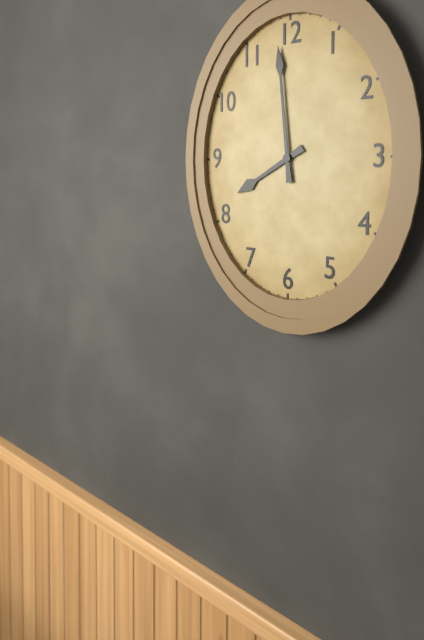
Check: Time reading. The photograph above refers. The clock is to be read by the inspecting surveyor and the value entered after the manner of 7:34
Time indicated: 7:59
